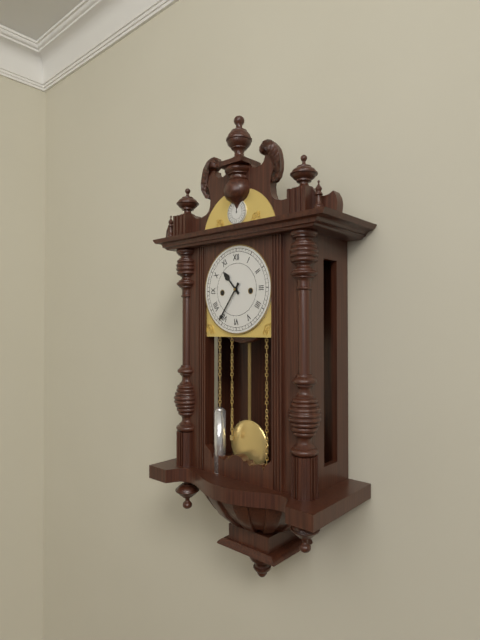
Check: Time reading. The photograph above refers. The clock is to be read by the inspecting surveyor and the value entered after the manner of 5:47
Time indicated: 10:36
